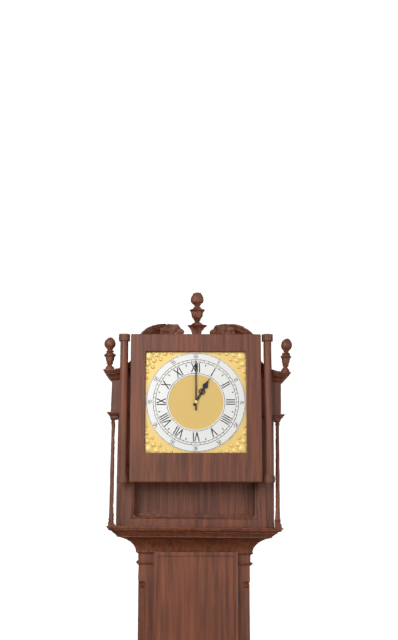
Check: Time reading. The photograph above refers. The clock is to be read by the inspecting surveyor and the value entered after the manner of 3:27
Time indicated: 1:00
